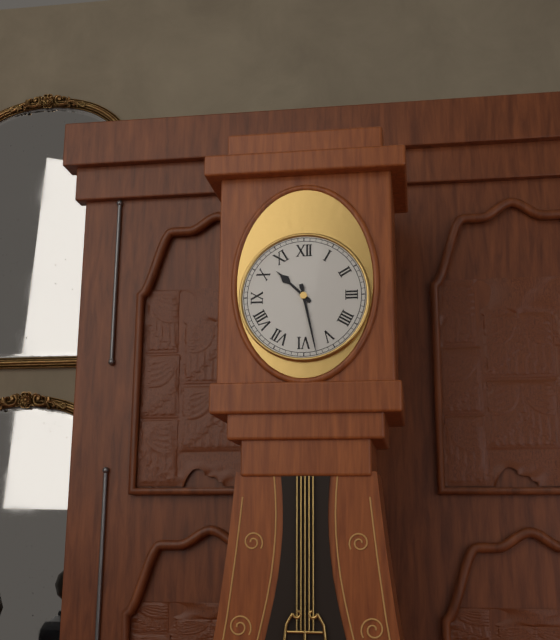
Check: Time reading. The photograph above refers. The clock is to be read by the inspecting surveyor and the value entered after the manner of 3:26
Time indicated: 10:28
